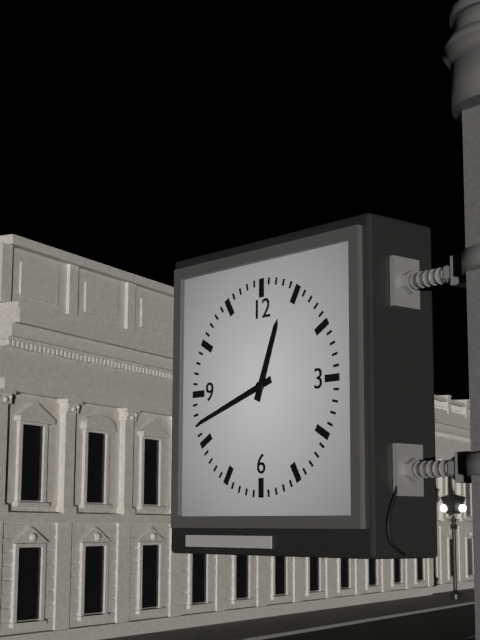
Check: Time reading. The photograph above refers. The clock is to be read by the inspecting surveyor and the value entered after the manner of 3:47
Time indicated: 12:42
